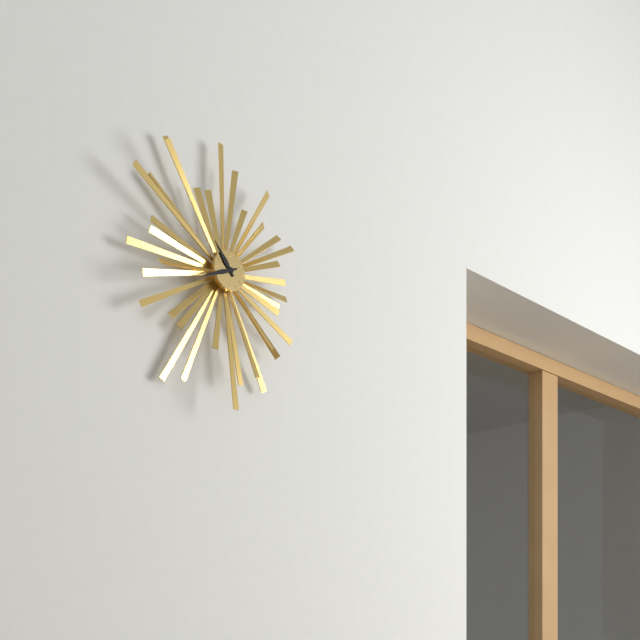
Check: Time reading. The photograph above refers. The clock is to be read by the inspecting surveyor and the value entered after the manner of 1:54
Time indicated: 10:41
